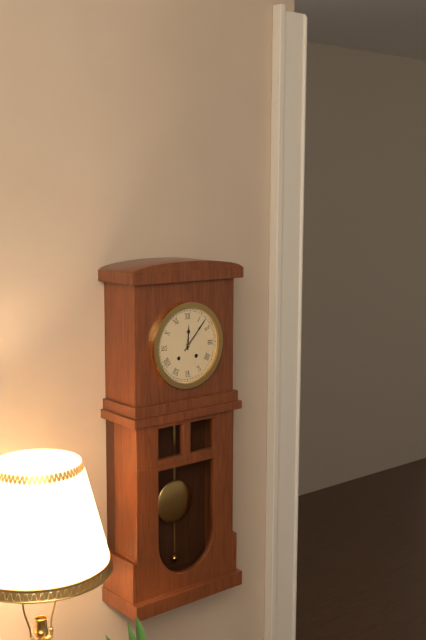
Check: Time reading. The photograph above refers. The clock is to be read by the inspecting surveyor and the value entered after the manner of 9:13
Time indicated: 12:07
